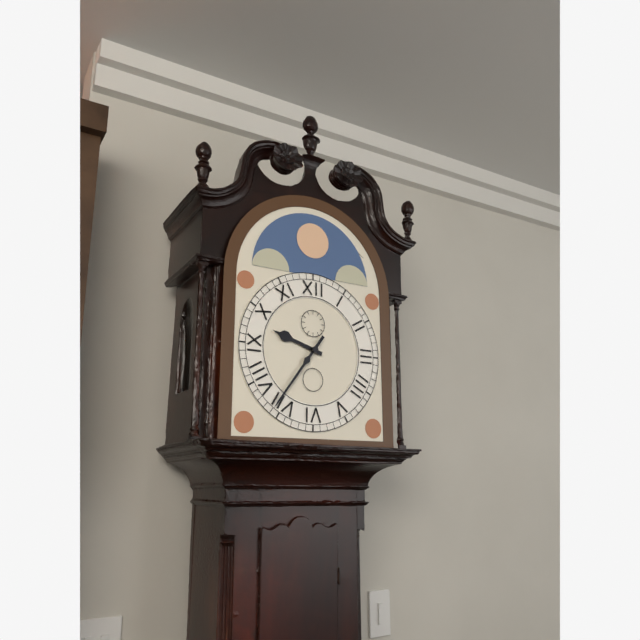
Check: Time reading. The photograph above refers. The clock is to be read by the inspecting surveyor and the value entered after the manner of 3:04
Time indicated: 9:36
